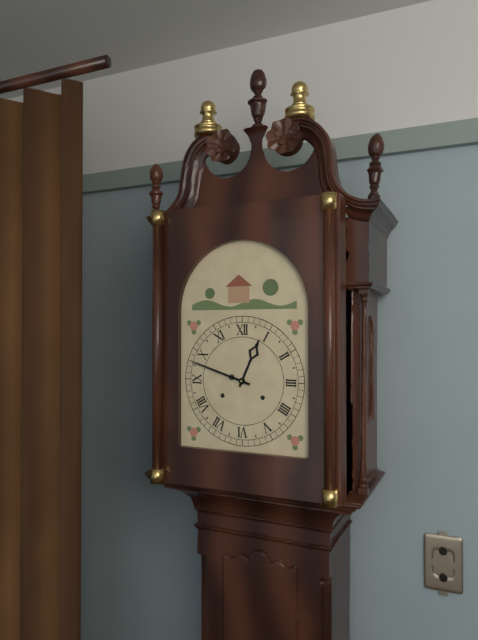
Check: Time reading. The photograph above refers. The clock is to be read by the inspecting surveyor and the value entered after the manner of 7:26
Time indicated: 12:48
